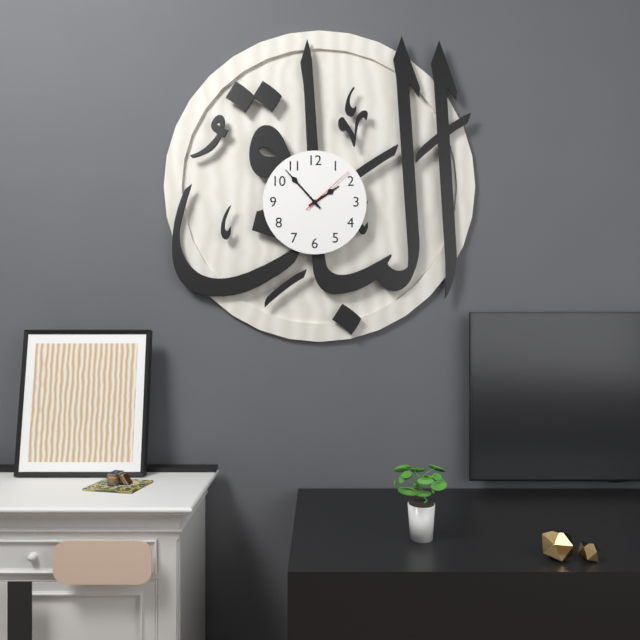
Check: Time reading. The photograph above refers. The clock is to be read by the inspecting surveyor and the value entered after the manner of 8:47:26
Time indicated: 1:53:08
